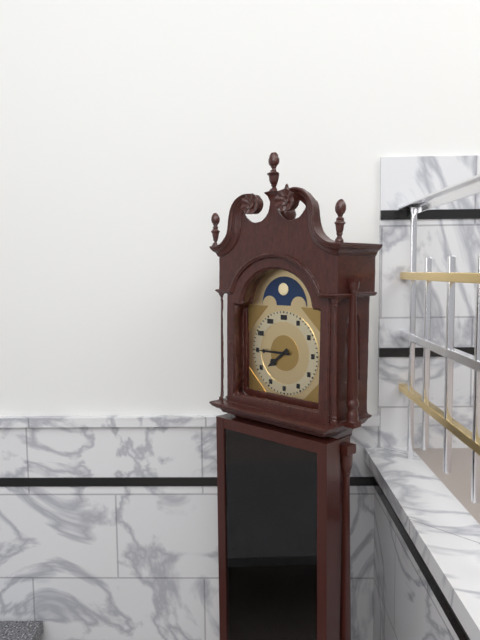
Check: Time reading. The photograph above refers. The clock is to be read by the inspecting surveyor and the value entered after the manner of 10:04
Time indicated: 7:45
